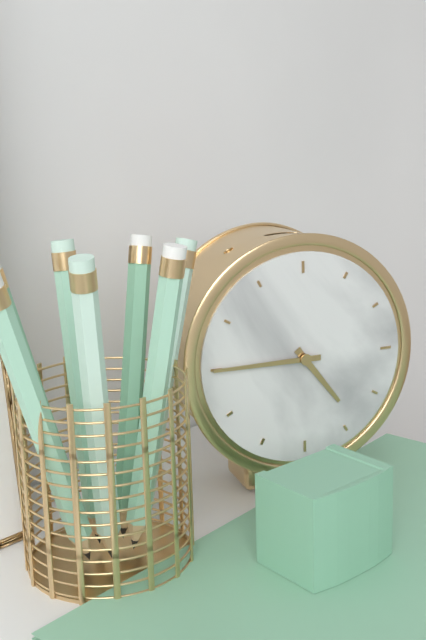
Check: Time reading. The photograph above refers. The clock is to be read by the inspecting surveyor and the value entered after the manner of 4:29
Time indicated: 4:45
